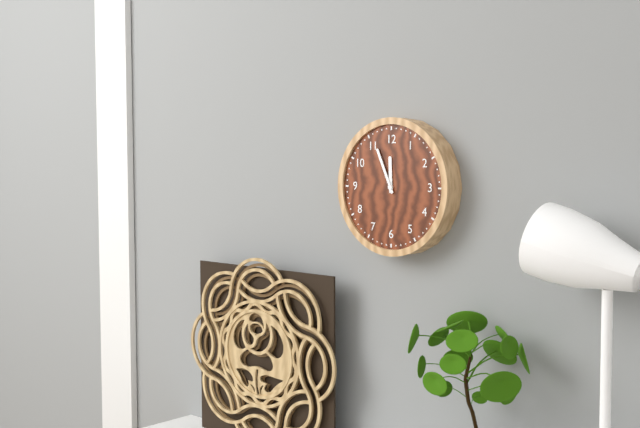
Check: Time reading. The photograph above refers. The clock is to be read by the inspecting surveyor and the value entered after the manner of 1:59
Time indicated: 11:56
